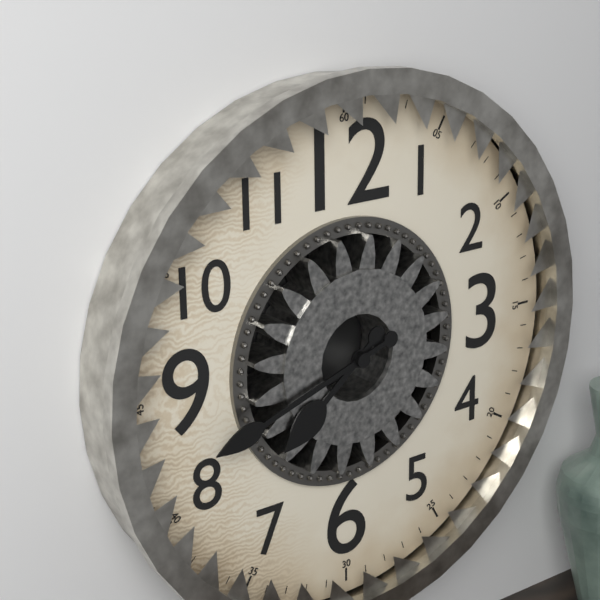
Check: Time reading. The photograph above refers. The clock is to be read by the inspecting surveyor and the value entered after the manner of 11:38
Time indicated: 7:42
